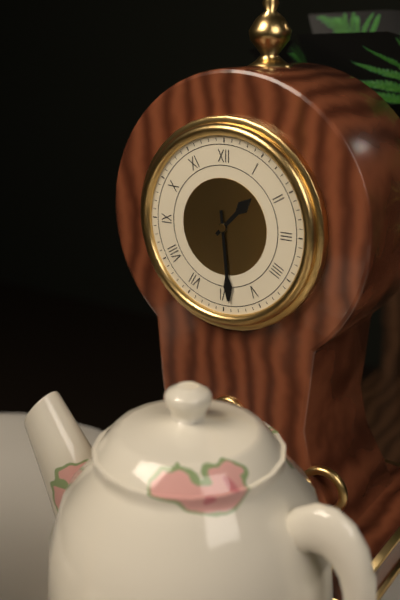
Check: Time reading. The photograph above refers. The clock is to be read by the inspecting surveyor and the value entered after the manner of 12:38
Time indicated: 1:29
